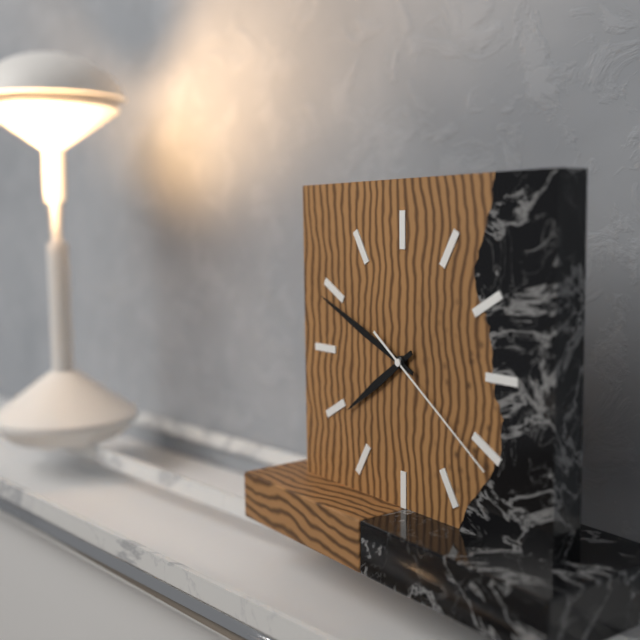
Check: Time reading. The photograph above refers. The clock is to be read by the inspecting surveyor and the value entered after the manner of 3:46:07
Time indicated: 7:49:21
